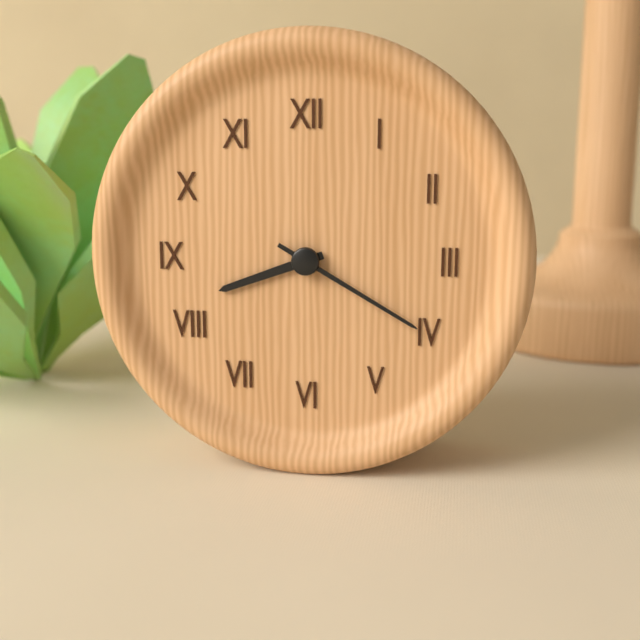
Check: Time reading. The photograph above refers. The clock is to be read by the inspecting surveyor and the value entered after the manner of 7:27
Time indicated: 8:20
